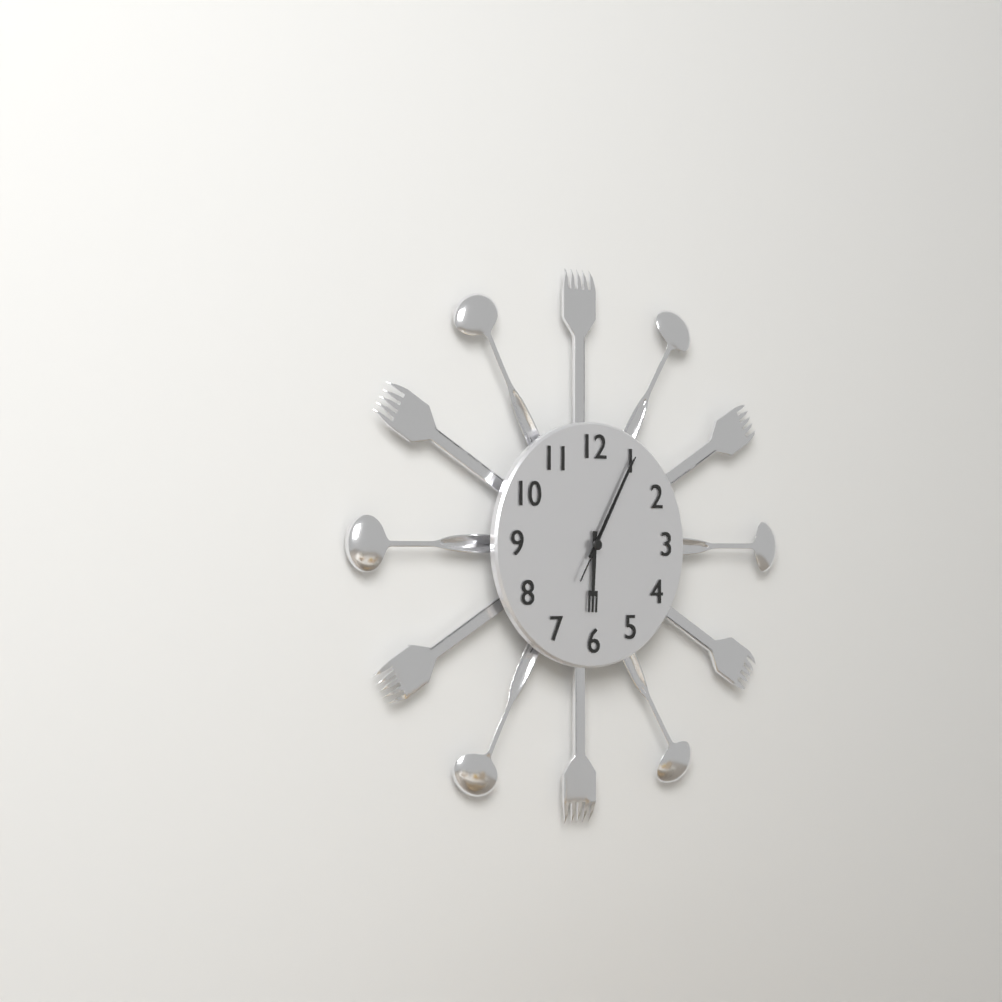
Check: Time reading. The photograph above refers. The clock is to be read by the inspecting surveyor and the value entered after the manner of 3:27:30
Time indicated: 6:05:05
